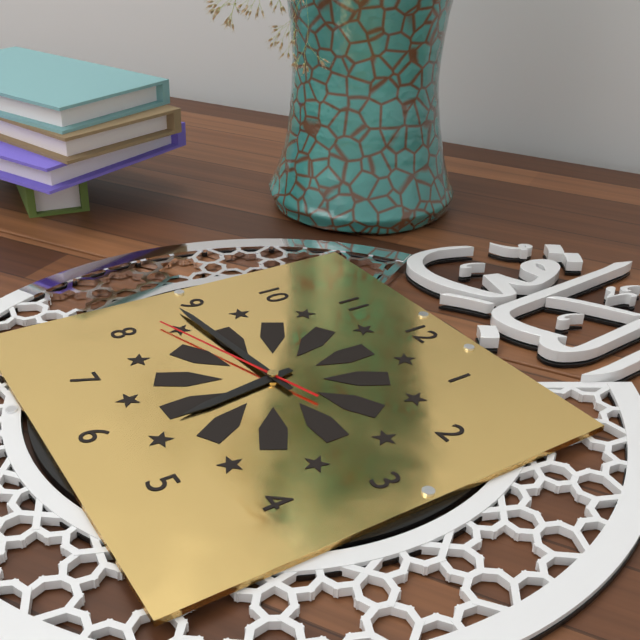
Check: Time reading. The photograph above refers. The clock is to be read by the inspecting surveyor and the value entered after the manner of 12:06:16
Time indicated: 5:44:42
